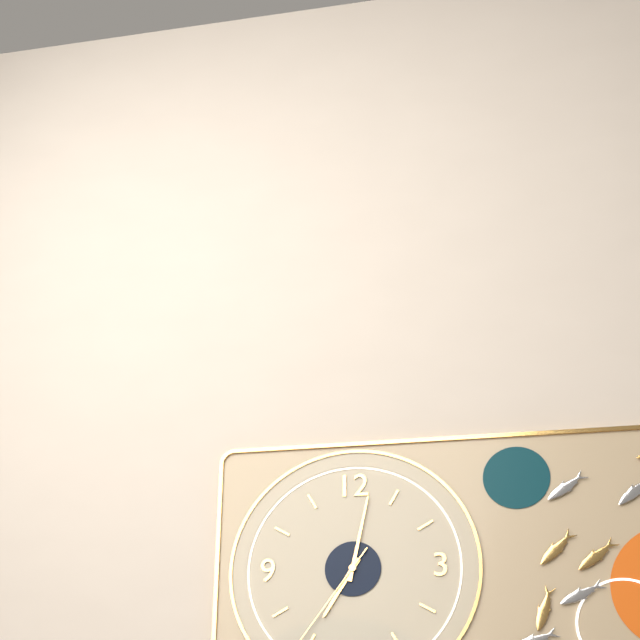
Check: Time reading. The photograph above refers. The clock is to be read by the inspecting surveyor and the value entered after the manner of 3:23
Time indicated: 7:02
